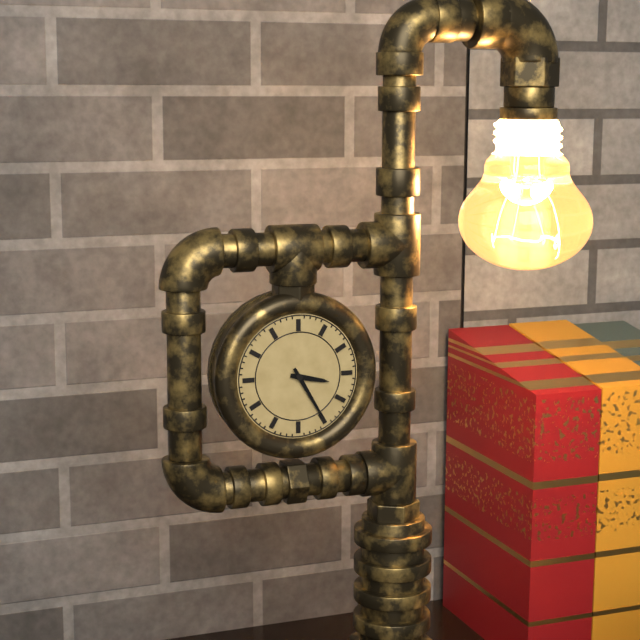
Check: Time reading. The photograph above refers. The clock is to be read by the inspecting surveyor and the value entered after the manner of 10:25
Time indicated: 3:25
